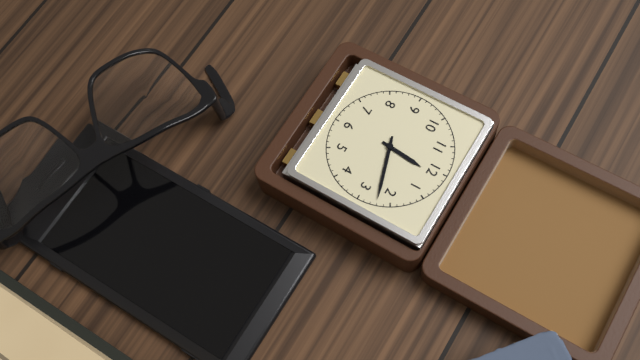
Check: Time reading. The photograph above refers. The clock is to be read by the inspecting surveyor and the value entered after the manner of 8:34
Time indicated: 12:12
